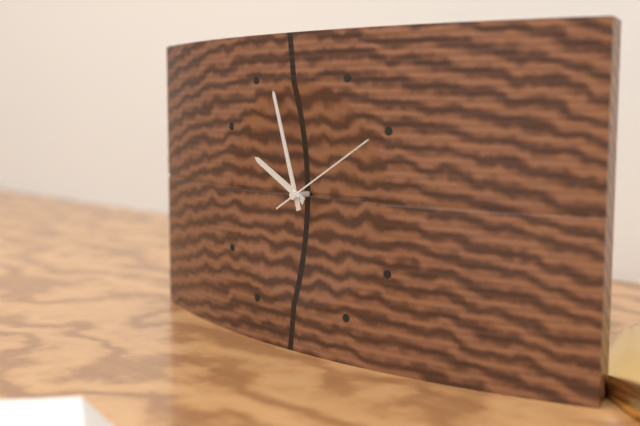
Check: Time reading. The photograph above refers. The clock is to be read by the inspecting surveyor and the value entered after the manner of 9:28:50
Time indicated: 9:57:10
